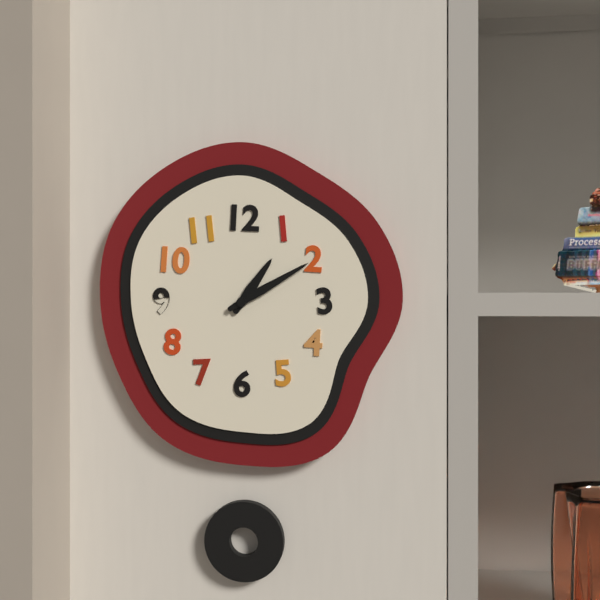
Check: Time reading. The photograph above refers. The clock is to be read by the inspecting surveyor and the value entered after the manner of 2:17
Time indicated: 1:10
